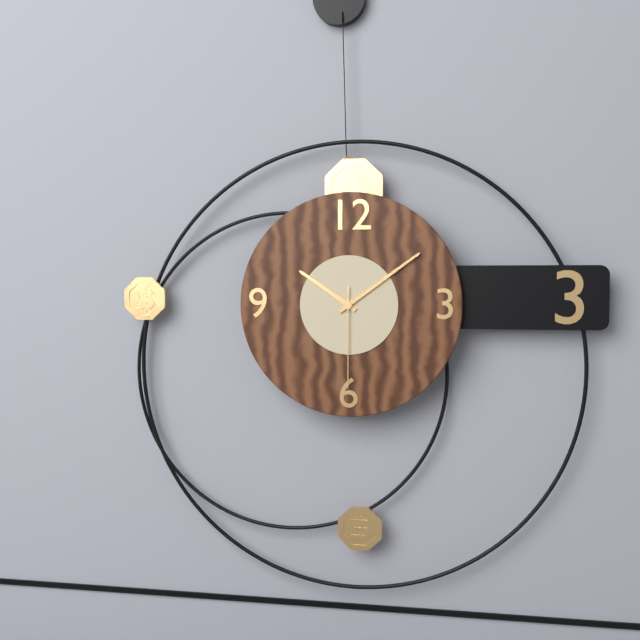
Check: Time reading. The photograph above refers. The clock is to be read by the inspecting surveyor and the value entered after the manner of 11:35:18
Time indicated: 10:09:30
